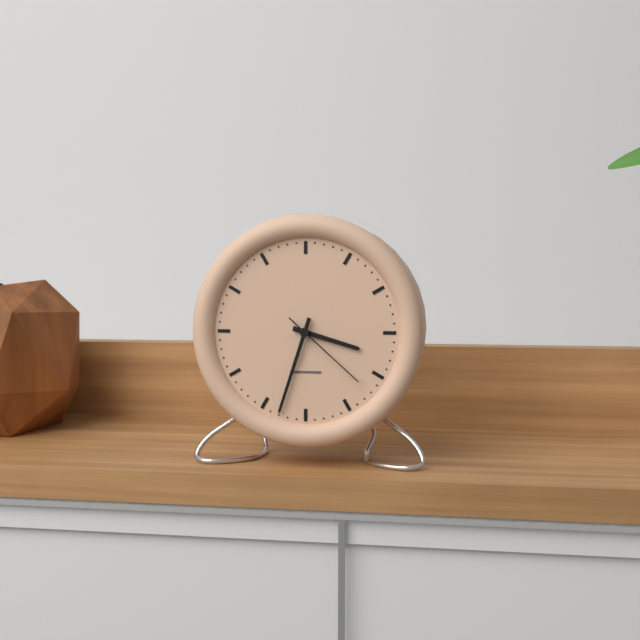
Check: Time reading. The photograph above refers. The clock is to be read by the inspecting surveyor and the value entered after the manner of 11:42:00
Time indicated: 3:33:22
